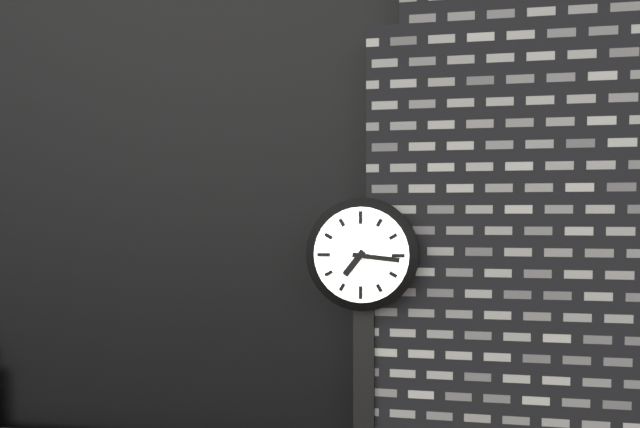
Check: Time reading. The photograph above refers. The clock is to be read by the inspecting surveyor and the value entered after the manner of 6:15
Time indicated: 7:16
